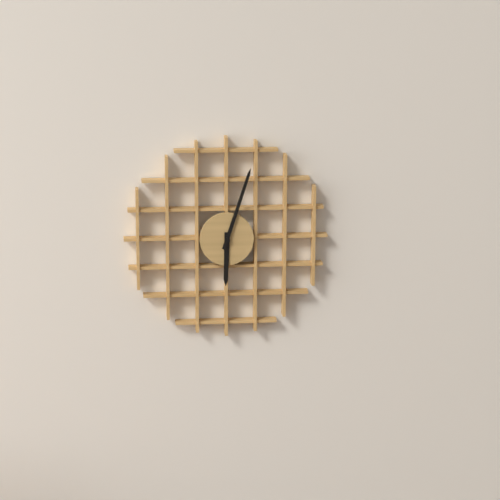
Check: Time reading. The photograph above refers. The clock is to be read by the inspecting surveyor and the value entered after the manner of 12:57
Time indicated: 6:03
